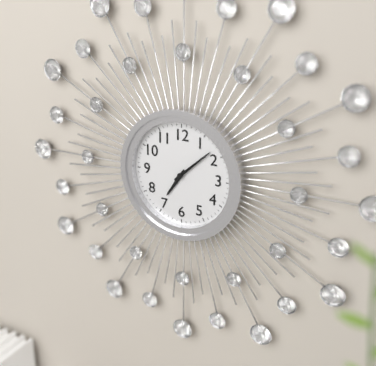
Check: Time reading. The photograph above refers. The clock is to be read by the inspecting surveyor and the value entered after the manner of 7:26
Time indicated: 7:08
